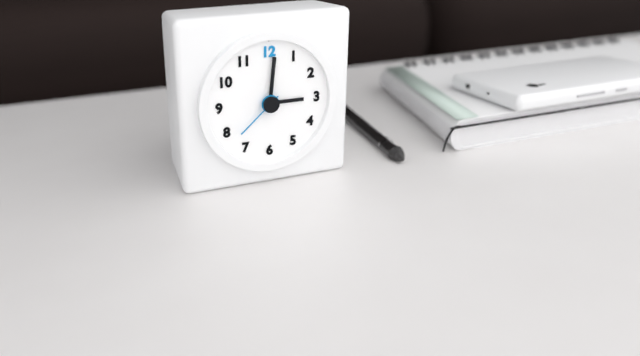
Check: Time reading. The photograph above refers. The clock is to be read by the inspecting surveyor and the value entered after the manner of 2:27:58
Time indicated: 3:01:38
